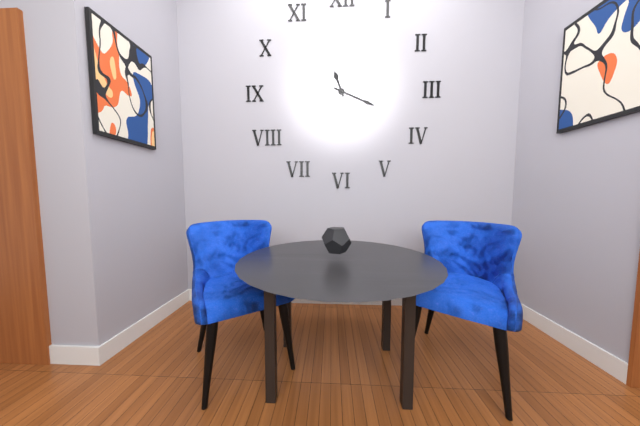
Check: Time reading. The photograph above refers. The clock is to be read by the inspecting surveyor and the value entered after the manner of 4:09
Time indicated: 11:19
